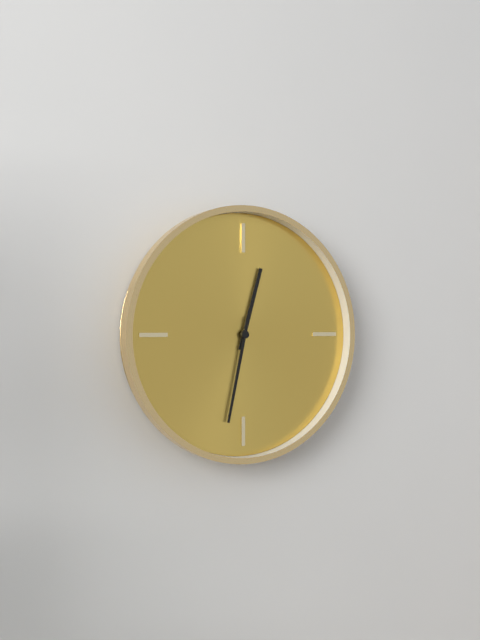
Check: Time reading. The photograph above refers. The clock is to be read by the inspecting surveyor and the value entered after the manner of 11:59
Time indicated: 12:32
